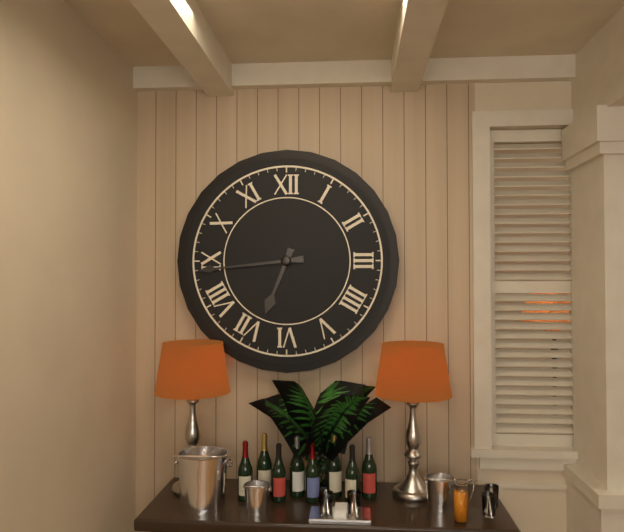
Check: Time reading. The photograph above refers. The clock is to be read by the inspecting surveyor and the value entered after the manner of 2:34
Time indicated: 6:44
